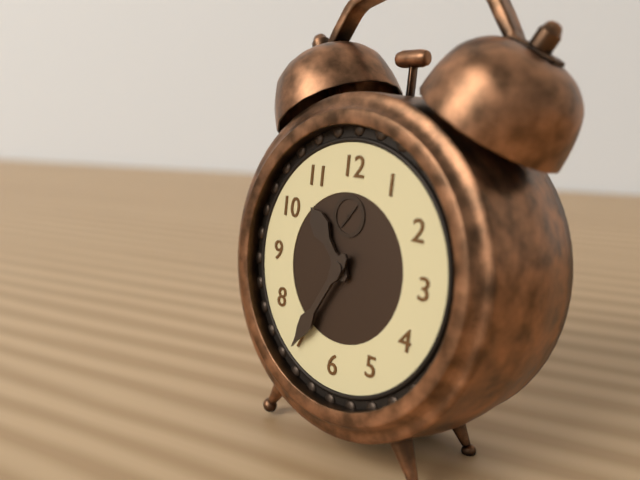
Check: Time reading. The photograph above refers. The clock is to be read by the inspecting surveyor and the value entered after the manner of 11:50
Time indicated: 10:35
